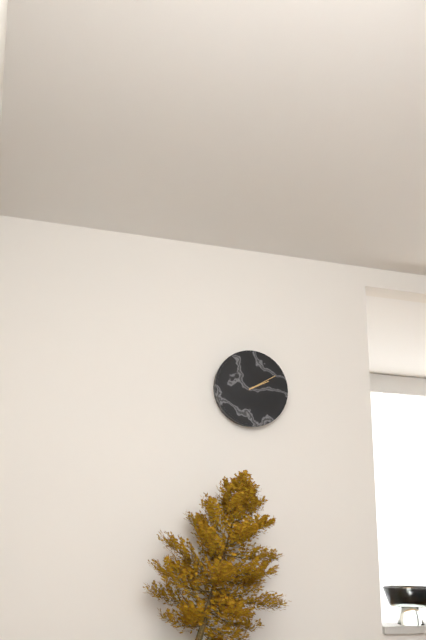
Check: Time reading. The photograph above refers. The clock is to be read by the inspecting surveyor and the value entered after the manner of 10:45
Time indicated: 2:10
